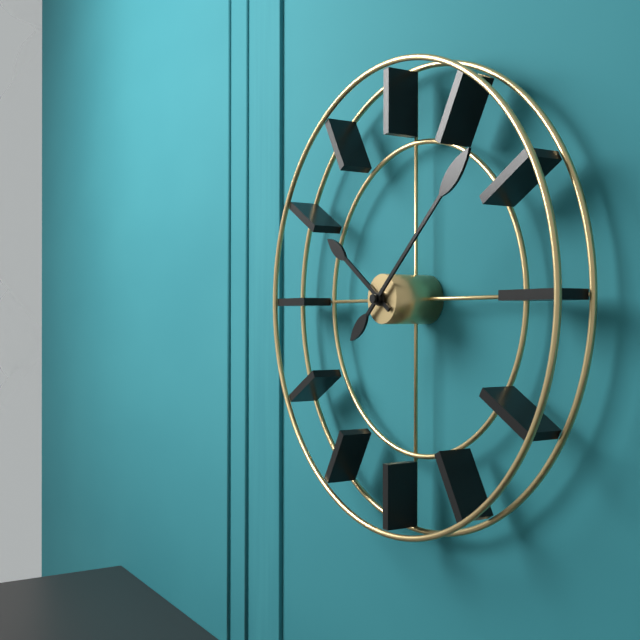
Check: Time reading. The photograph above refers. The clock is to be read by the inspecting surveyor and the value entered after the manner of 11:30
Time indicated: 10:08
